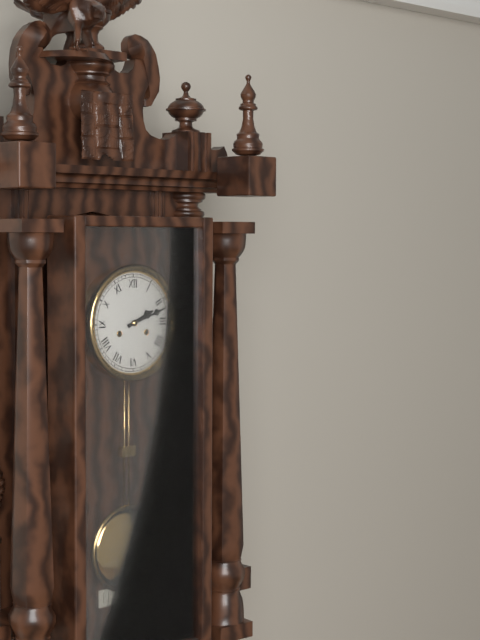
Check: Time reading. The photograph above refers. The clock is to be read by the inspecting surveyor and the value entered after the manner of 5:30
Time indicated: 2:12
